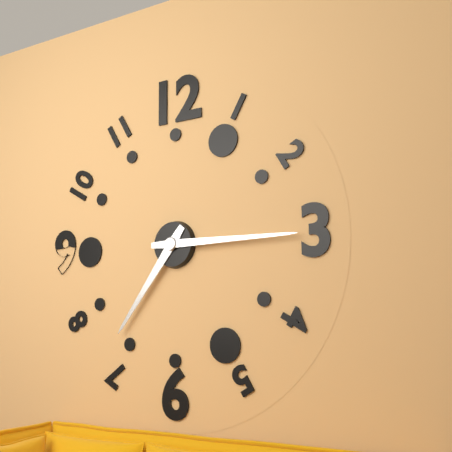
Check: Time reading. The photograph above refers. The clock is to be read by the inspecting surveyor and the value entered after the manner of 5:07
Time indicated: 7:15
